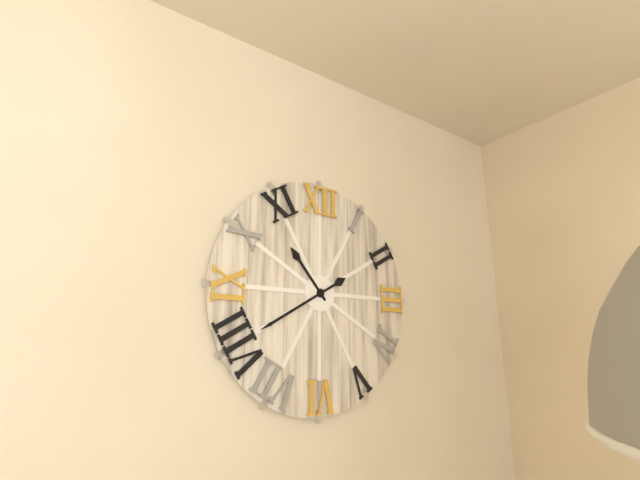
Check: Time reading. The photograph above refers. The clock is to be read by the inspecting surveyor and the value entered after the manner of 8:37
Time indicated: 10:40
